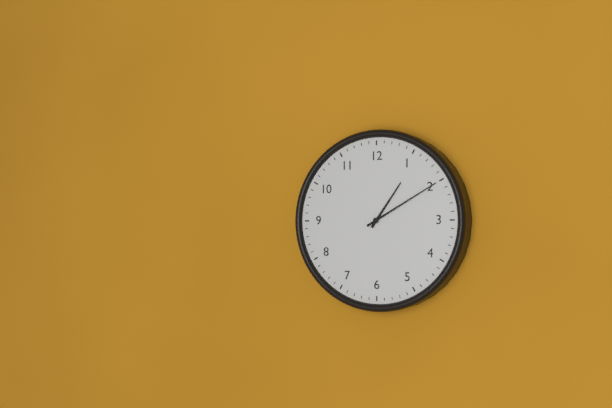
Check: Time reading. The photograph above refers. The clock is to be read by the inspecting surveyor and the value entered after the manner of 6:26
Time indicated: 1:10
